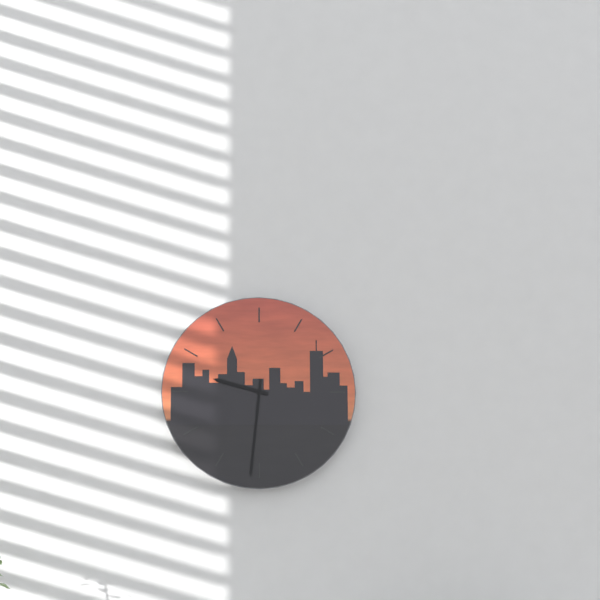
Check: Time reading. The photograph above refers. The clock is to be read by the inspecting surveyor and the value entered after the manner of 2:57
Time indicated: 9:31
